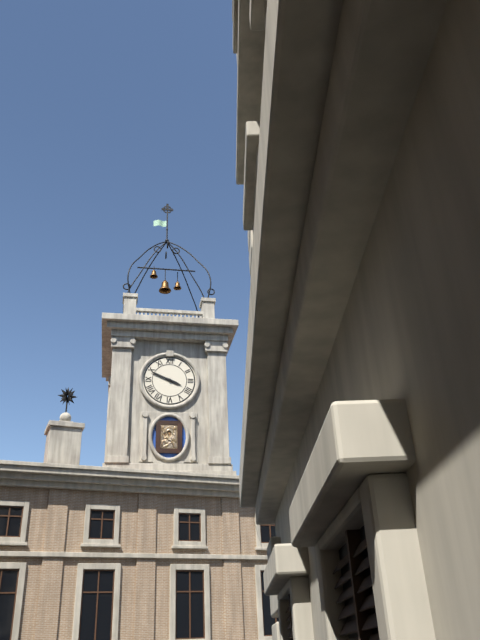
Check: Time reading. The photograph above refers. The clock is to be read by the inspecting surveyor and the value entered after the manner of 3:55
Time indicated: 3:49
